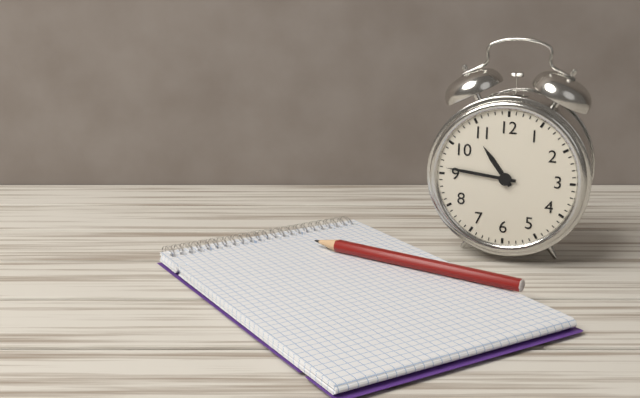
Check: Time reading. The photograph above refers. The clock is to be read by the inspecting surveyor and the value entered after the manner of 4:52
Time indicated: 10:46
